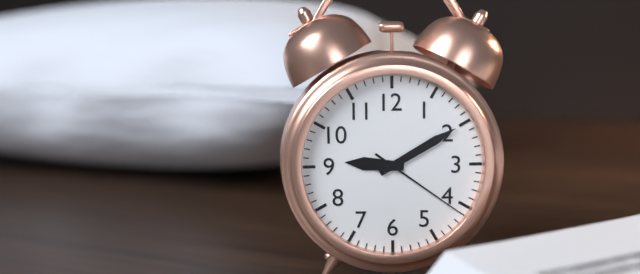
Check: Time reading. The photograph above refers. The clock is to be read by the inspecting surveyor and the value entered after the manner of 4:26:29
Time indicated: 9:10:21
